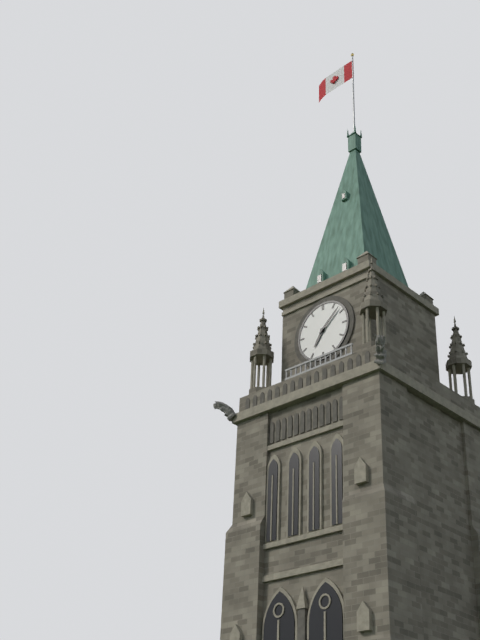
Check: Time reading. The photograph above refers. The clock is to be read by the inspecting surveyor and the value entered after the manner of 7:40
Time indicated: 7:08
